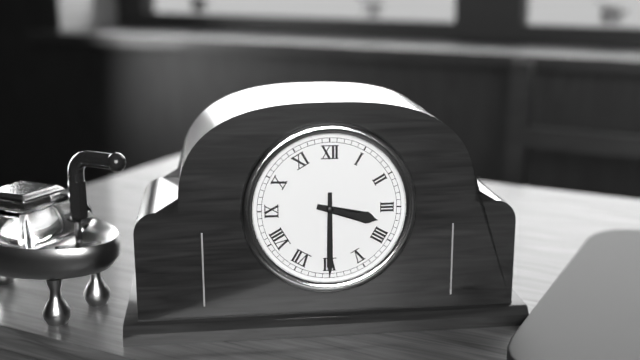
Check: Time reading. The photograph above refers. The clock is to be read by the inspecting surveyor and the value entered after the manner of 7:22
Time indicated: 3:30
